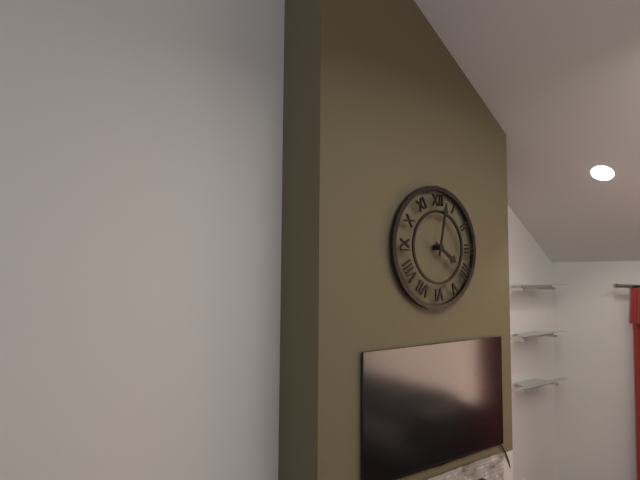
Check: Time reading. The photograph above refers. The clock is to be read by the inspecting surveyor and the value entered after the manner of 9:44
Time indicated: 4:02
